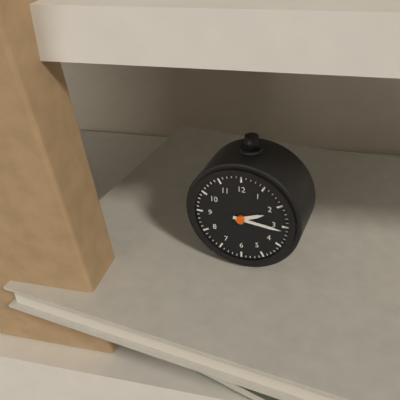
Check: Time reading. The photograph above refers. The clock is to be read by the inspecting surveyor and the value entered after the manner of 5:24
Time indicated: 2:16
